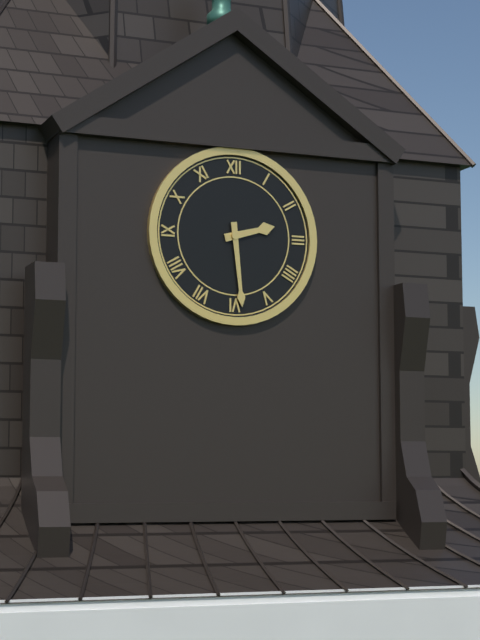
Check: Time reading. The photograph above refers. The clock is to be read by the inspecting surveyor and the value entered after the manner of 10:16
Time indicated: 2:29
